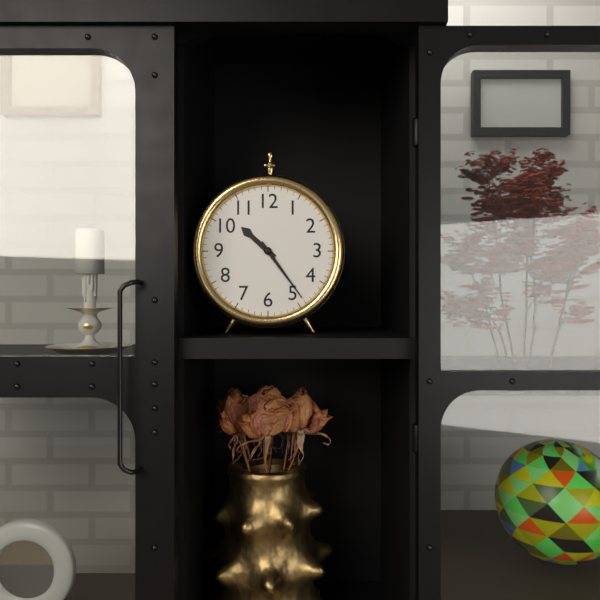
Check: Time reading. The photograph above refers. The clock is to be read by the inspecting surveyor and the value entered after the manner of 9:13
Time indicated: 10:24
